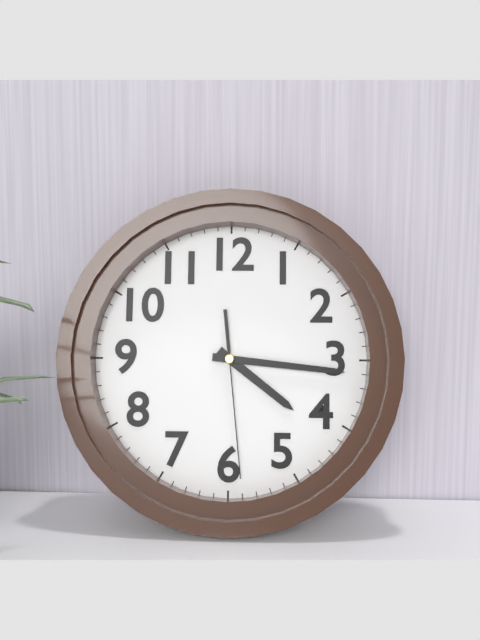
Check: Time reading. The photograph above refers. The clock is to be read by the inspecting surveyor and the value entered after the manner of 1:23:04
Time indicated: 4:16:29
